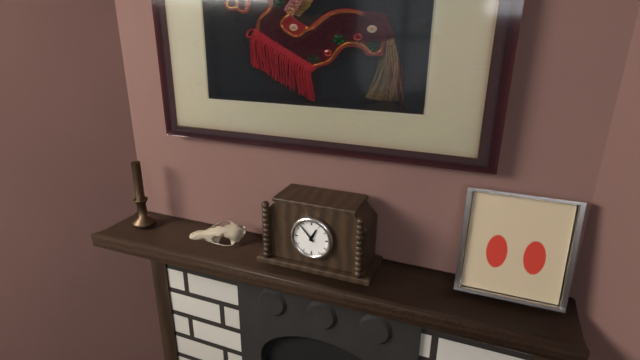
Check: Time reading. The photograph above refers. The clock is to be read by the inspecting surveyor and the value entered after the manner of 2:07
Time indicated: 12:53
